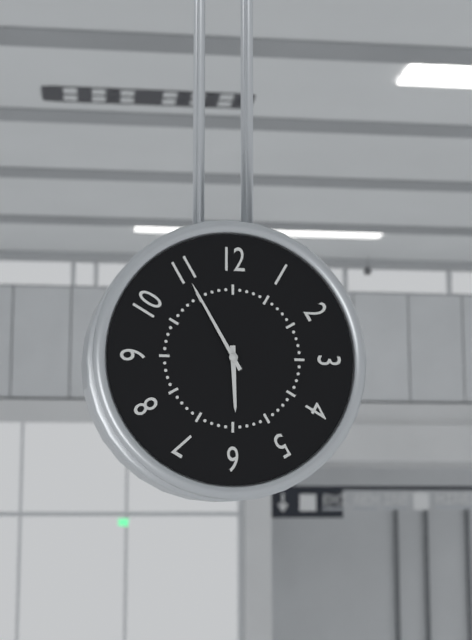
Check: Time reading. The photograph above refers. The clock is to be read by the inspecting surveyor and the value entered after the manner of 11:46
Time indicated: 5:55
